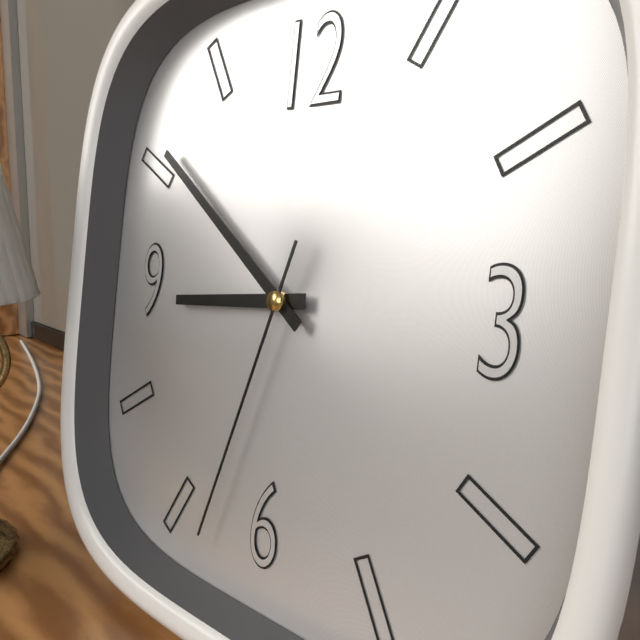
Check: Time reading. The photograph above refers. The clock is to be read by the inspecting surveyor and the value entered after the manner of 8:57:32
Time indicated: 8:51:33
